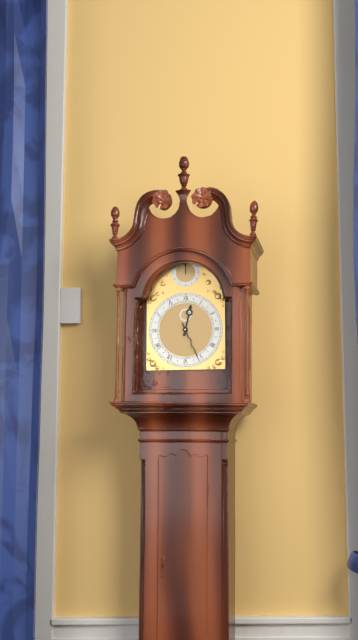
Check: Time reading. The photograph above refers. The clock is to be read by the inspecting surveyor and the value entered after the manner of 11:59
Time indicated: 12:26
